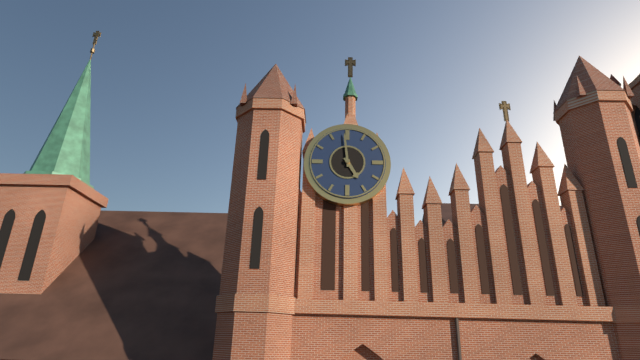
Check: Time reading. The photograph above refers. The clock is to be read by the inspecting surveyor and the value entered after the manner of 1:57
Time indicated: 4:59
